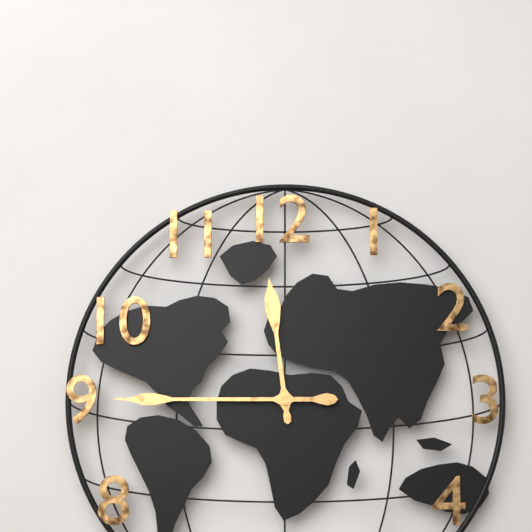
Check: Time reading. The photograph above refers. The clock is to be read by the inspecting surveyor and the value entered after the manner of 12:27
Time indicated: 11:45
